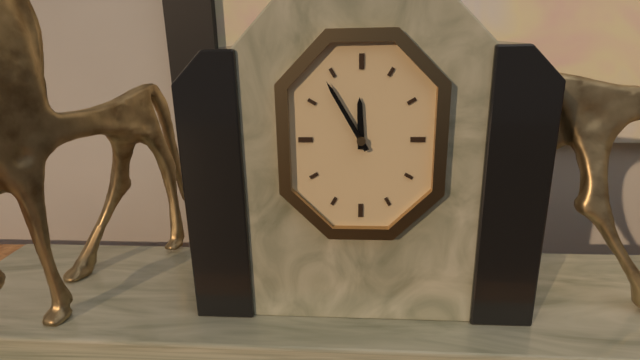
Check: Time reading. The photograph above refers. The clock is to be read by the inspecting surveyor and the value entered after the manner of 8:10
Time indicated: 11:55
